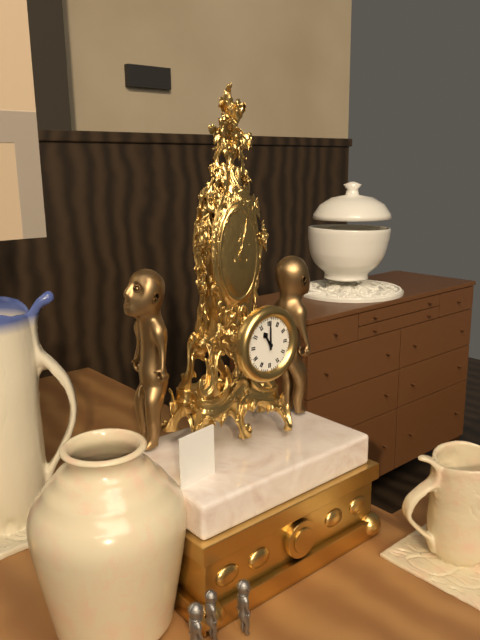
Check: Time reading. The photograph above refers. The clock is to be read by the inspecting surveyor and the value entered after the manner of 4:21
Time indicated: 11:00
